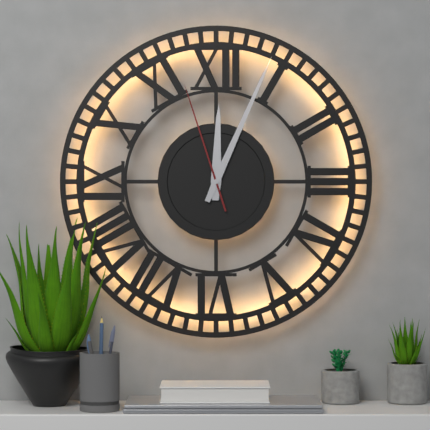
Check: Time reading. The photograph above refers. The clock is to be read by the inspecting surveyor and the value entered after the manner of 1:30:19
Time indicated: 12:04:57
